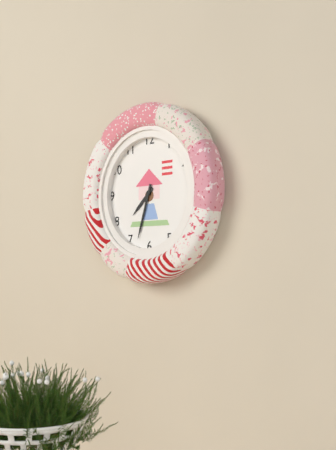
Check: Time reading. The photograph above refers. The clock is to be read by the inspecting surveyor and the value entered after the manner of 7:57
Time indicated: 7:33
